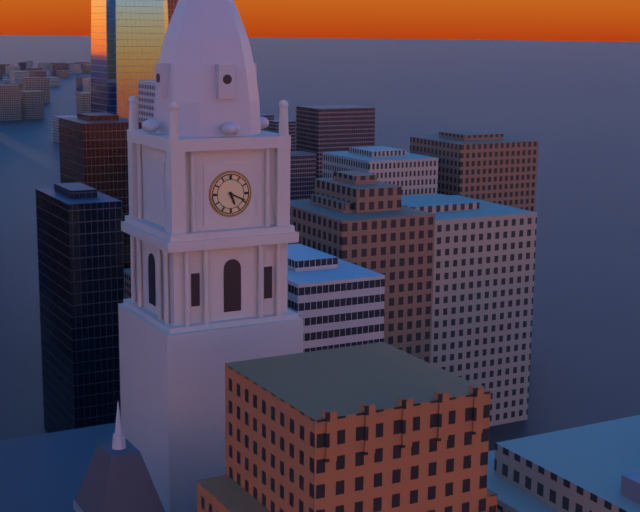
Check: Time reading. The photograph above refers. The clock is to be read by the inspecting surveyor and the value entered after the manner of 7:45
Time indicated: 5:19
